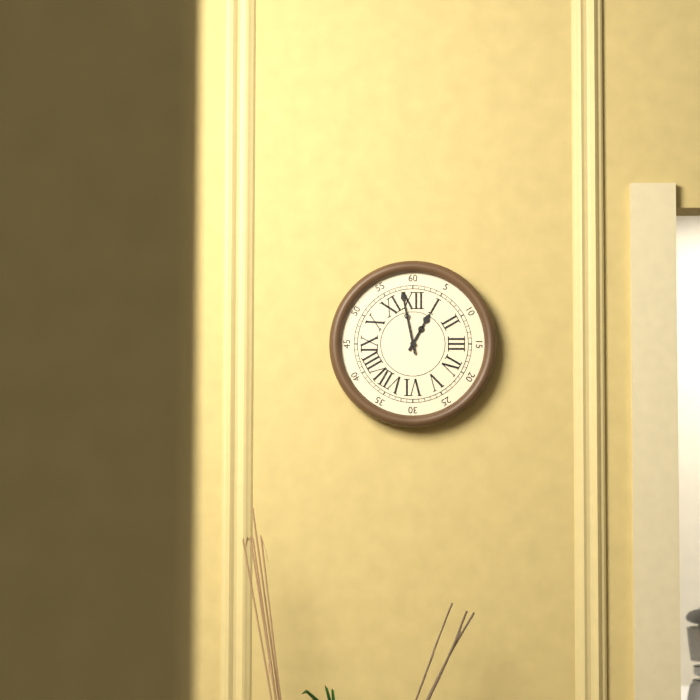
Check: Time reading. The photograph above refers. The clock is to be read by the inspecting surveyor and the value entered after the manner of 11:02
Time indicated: 12:58
